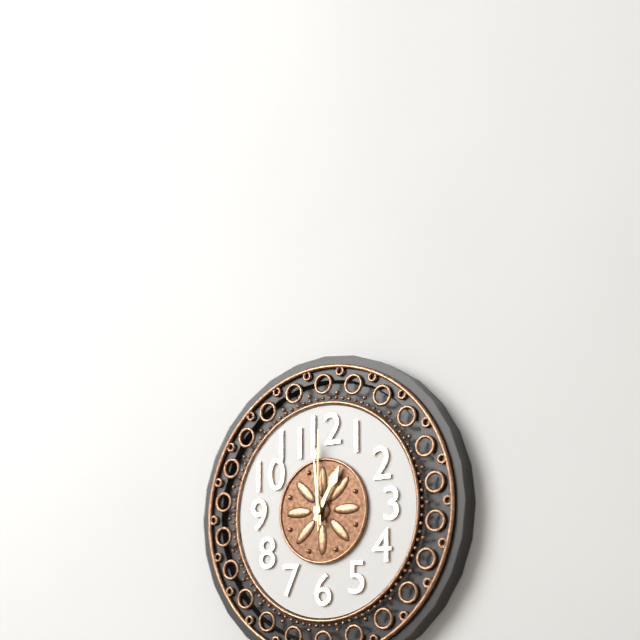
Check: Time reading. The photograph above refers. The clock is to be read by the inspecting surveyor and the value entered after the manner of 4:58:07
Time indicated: 12:59:00
